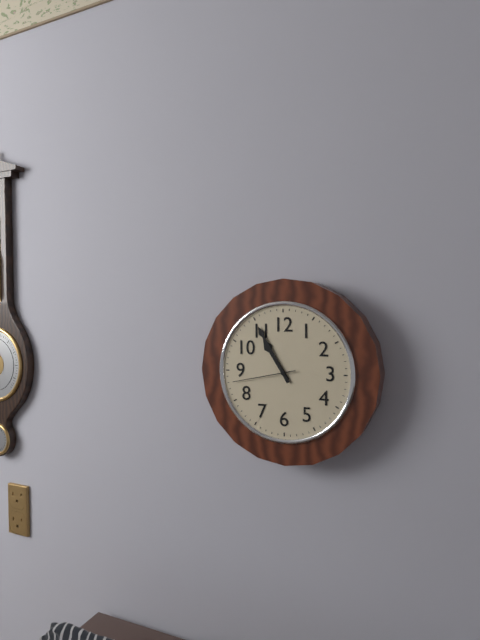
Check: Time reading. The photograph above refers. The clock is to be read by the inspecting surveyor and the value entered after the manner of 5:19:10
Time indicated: 10:55:43
